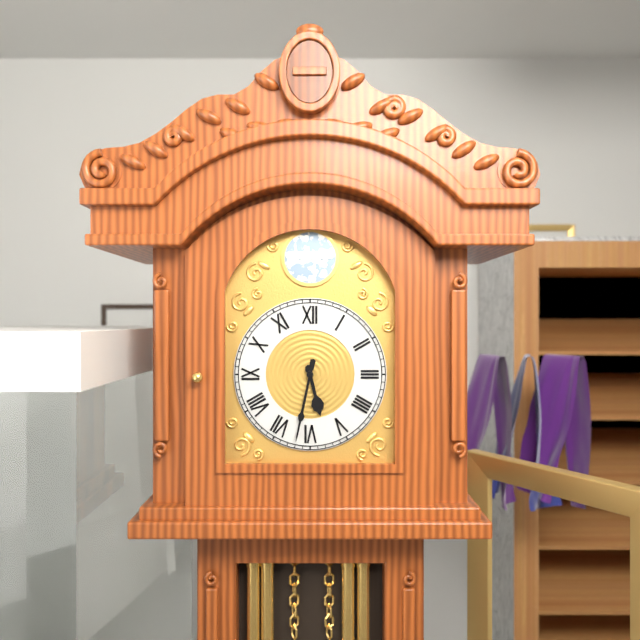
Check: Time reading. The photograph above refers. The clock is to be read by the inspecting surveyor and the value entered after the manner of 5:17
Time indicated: 5:32
